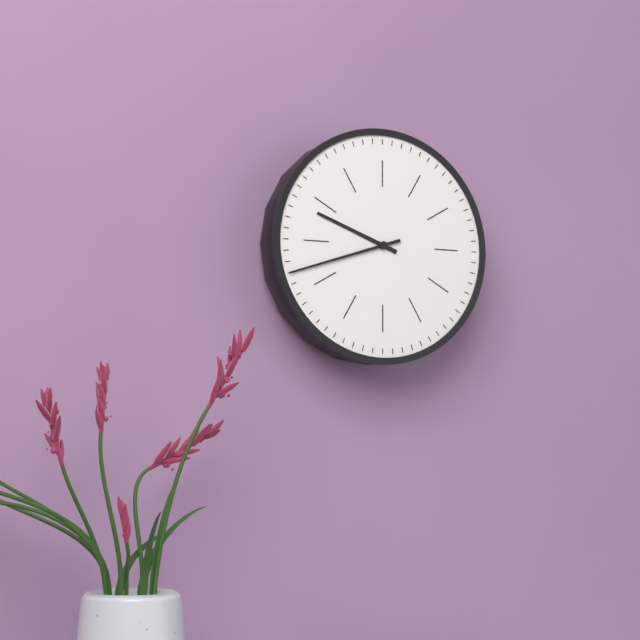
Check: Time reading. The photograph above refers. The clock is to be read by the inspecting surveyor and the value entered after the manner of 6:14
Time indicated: 9:42
